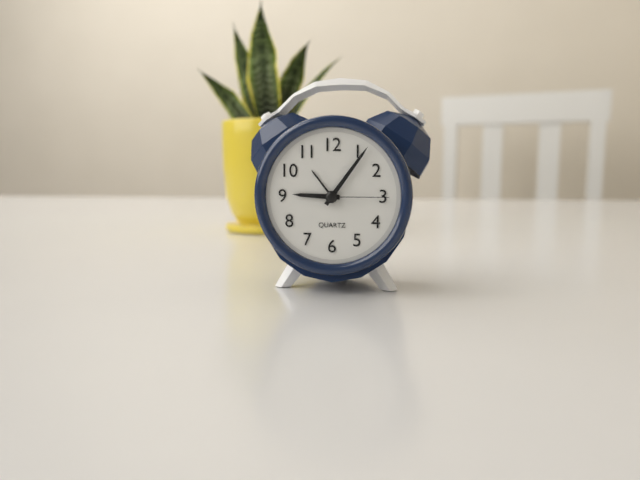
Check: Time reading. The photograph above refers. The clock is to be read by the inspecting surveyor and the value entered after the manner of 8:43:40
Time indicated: 9:06:15
